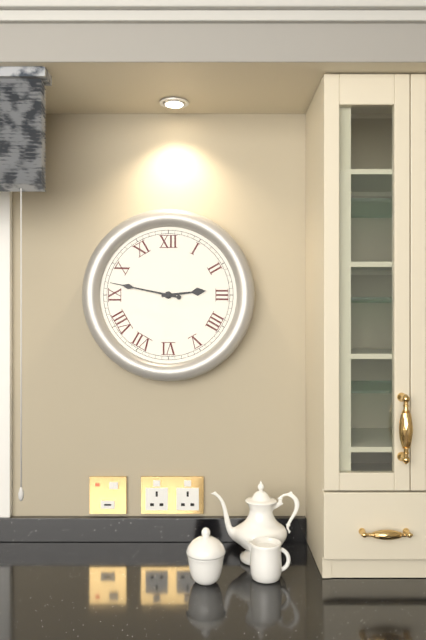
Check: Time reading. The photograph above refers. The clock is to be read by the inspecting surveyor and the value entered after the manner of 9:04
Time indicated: 2:47
